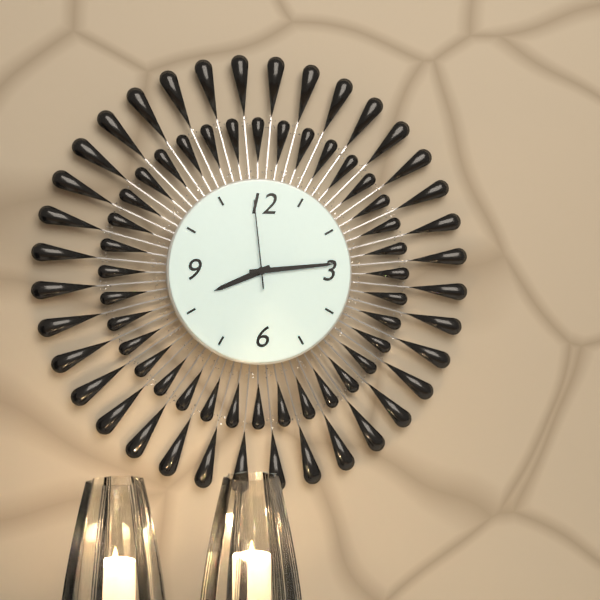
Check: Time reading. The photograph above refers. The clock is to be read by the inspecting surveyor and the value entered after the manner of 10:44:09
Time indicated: 8:14:59
